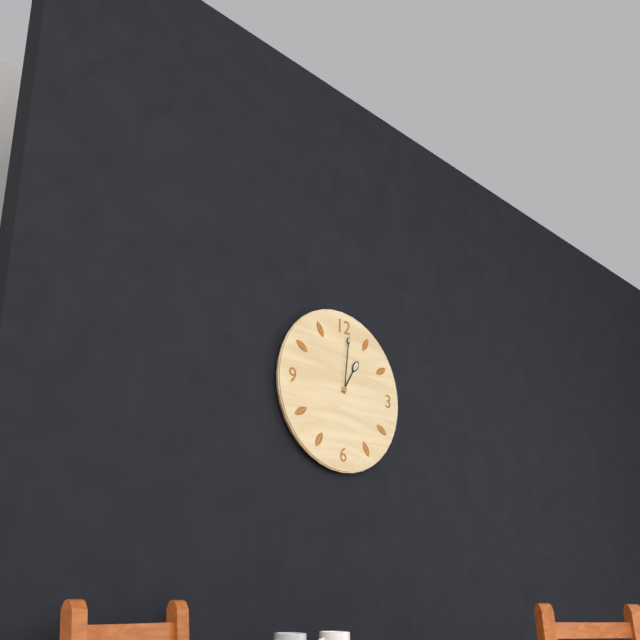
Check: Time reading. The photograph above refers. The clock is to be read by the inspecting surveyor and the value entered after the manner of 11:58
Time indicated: 1:01
